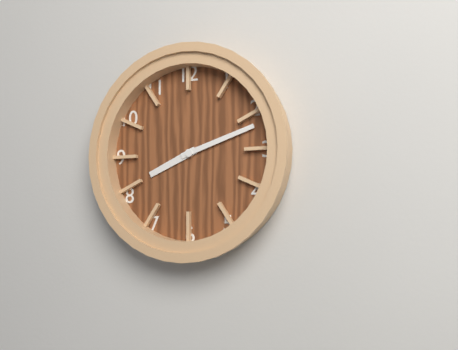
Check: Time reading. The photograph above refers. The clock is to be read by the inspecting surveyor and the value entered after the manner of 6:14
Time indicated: 8:12
